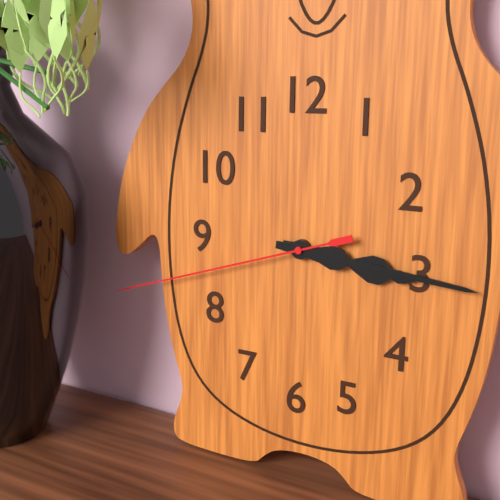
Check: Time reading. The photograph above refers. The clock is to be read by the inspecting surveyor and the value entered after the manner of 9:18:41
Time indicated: 3:16:42
